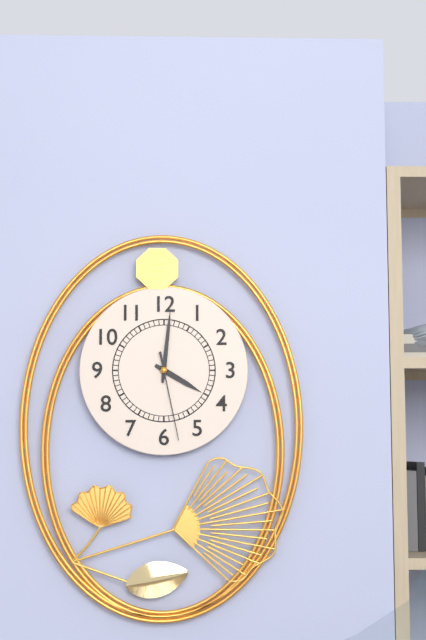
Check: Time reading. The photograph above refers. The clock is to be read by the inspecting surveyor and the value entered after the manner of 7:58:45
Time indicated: 4:01:28
